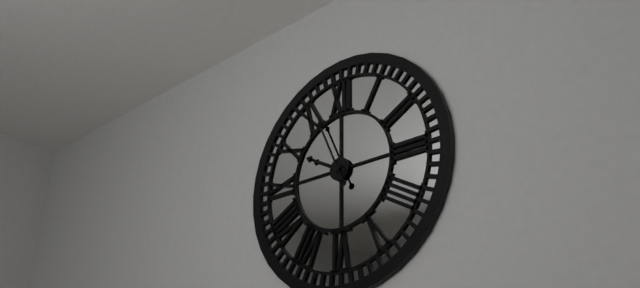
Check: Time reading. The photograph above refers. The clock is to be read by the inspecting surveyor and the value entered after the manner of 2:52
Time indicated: 9:56
